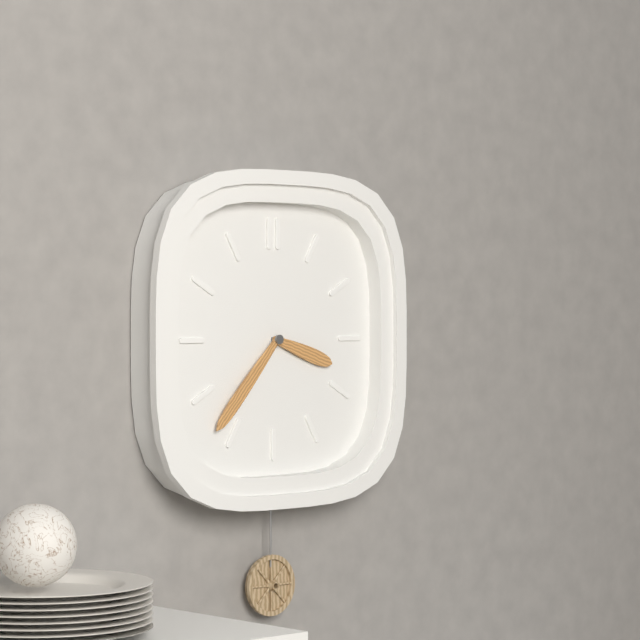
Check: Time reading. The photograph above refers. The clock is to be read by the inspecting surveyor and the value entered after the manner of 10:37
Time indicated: 3:37
